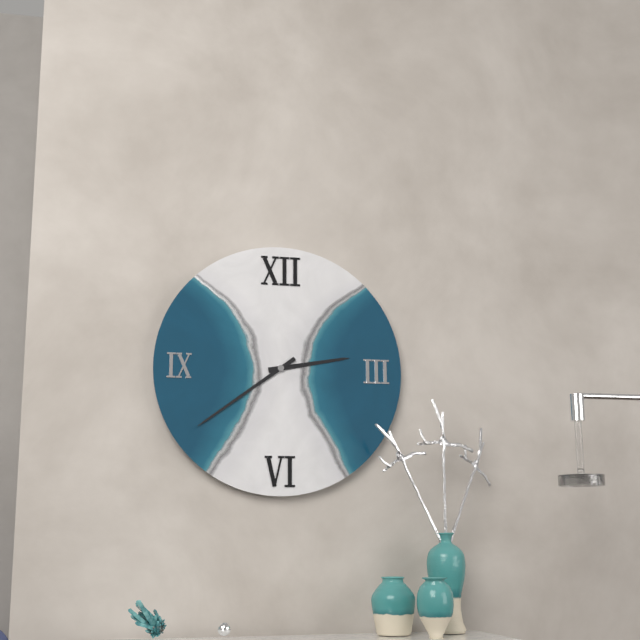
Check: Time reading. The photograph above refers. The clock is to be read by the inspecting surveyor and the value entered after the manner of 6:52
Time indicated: 2:39
